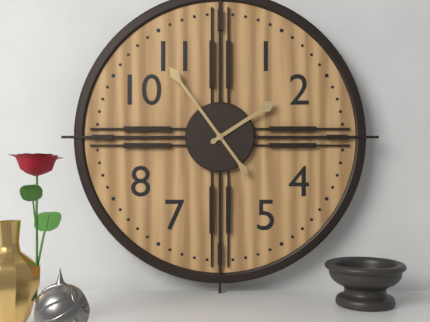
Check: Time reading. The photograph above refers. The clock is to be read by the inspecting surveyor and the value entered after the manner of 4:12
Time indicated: 1:54
